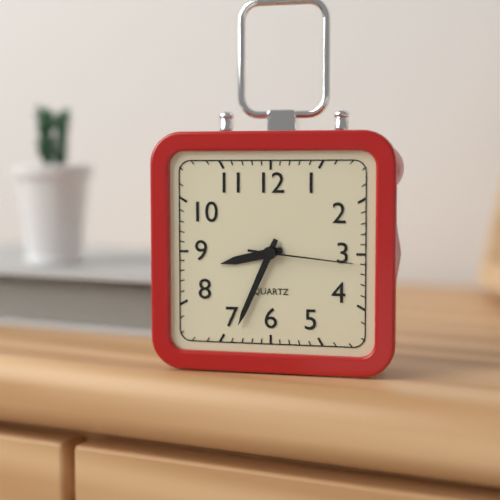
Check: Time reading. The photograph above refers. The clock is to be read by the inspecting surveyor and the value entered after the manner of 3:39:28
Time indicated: 8:34:16
